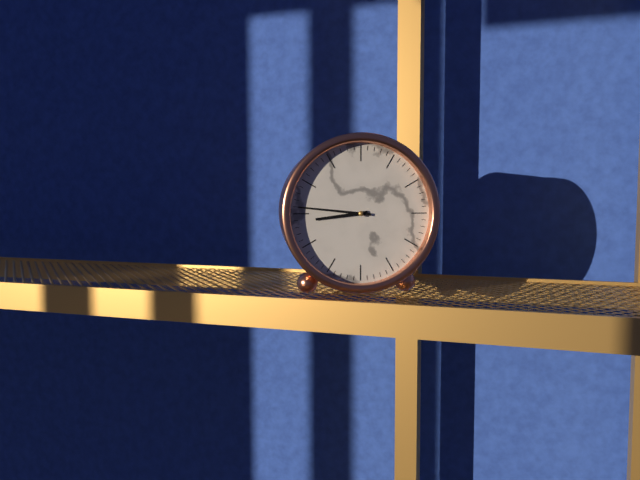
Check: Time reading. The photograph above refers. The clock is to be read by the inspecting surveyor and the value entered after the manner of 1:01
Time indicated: 8:46
